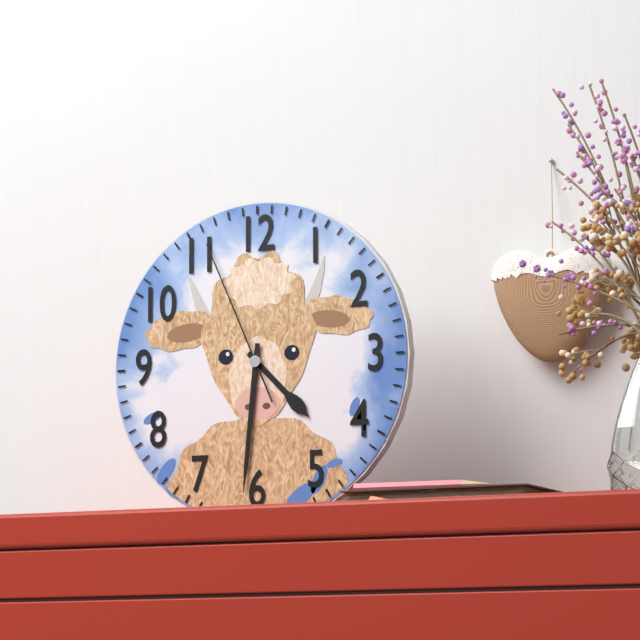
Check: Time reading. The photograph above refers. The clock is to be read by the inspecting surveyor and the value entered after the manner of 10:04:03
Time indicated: 4:31:56
